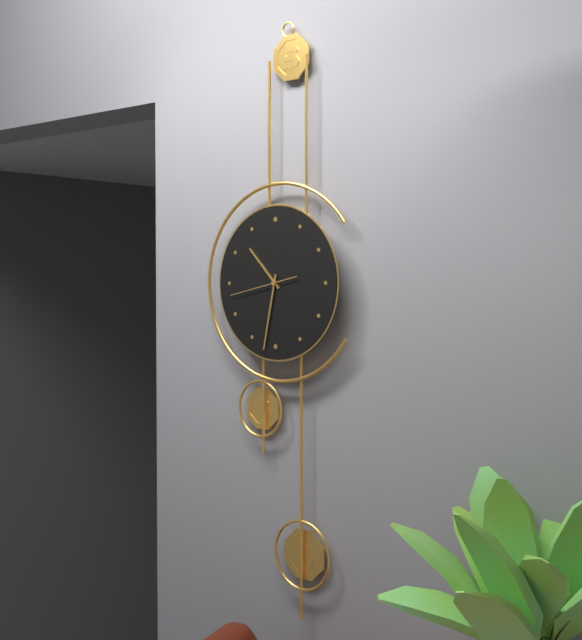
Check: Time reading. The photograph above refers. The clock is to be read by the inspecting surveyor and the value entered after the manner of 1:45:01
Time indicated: 10:32:43
